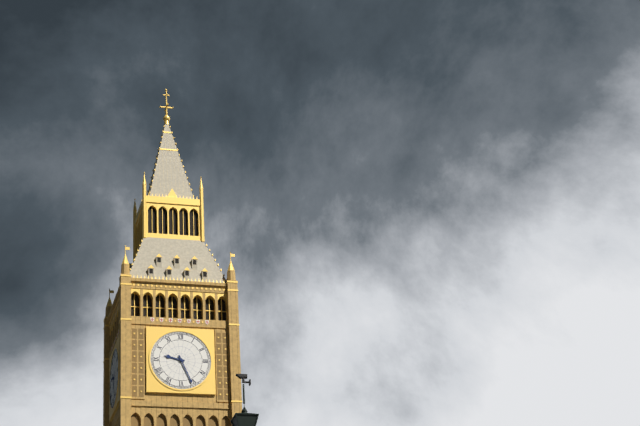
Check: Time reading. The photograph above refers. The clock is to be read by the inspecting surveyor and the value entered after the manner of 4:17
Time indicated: 9:26
